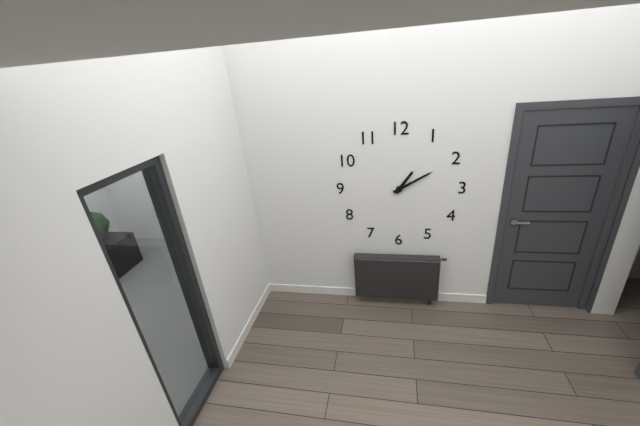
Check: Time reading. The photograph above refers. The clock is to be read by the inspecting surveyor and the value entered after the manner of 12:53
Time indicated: 1:10
